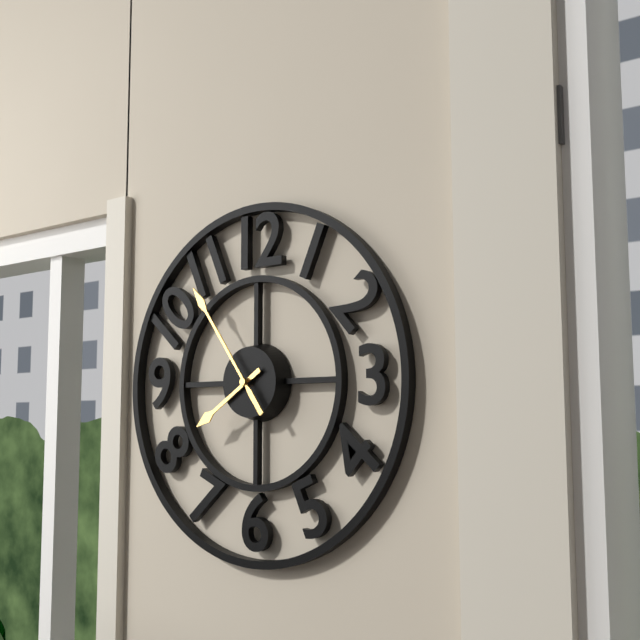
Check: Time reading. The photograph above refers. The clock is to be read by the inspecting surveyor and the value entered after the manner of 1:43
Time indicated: 7:54
